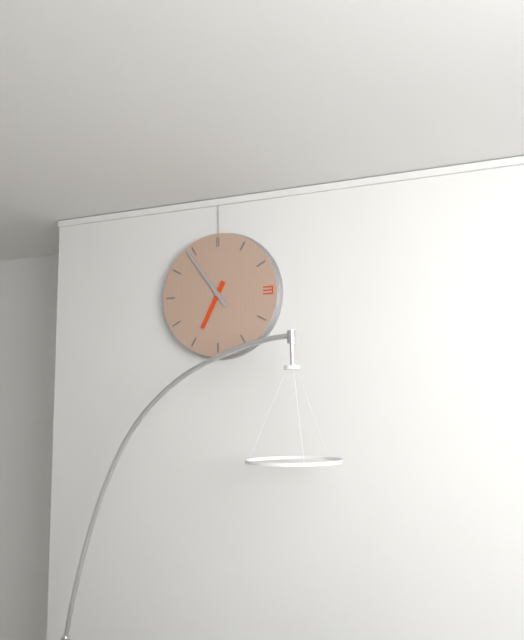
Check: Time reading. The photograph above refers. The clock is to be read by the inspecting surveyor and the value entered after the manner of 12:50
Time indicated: 6:54
